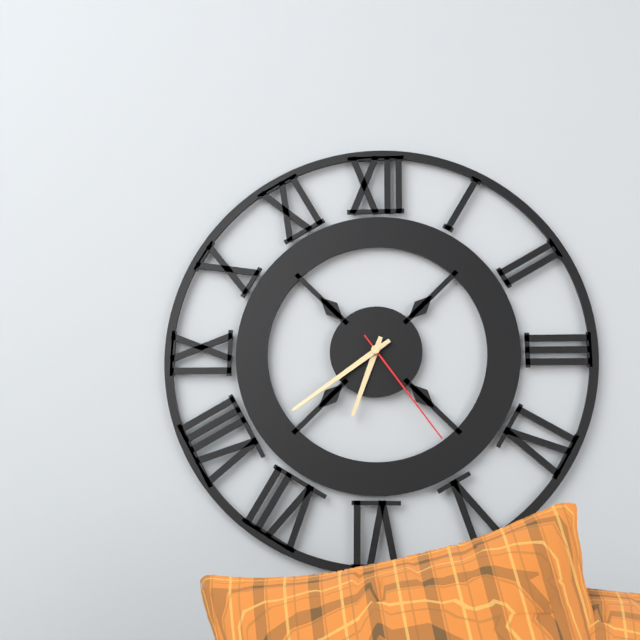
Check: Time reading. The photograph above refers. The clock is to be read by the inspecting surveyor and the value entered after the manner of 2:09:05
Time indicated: 6:39:24
